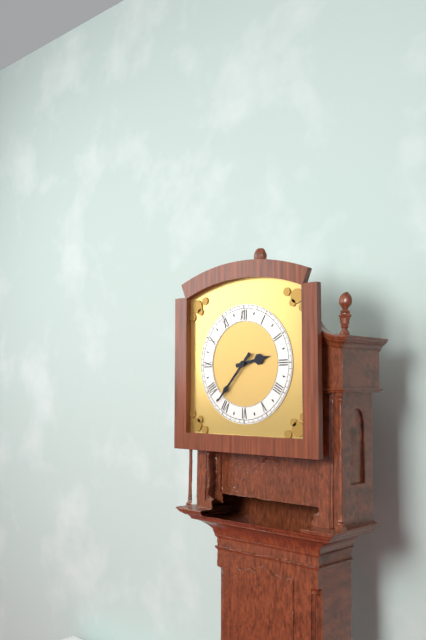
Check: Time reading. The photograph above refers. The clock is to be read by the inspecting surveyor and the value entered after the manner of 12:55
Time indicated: 2:37
